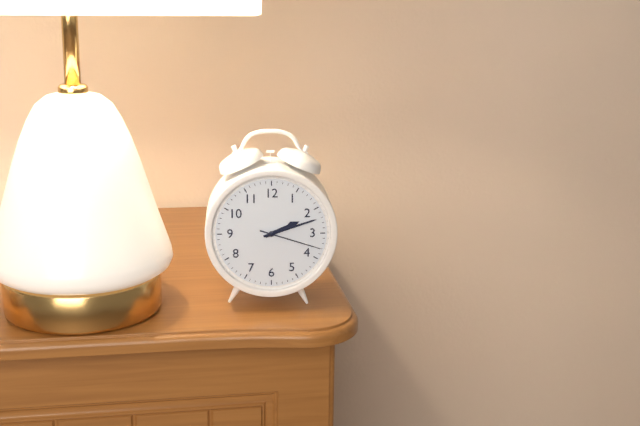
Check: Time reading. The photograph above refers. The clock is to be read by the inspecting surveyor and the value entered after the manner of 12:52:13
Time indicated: 2:12:18
